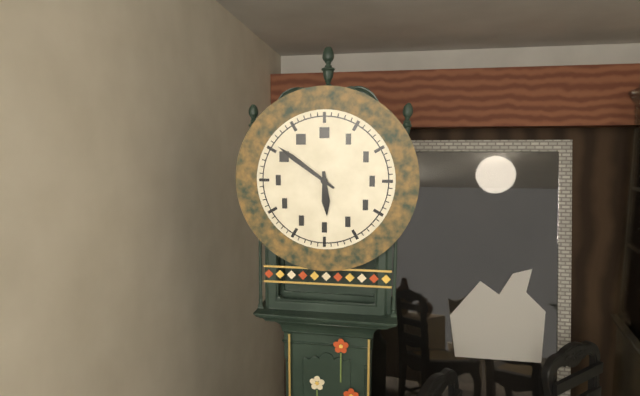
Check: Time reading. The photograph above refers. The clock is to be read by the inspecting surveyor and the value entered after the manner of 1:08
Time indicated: 5:51
